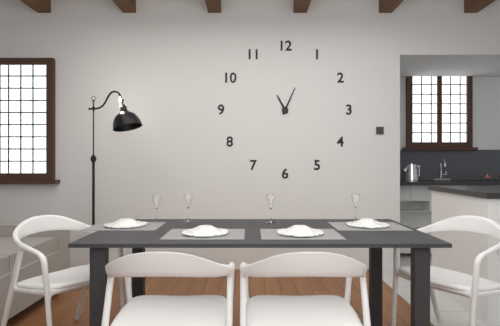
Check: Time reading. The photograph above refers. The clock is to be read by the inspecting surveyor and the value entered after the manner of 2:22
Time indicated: 11:04
